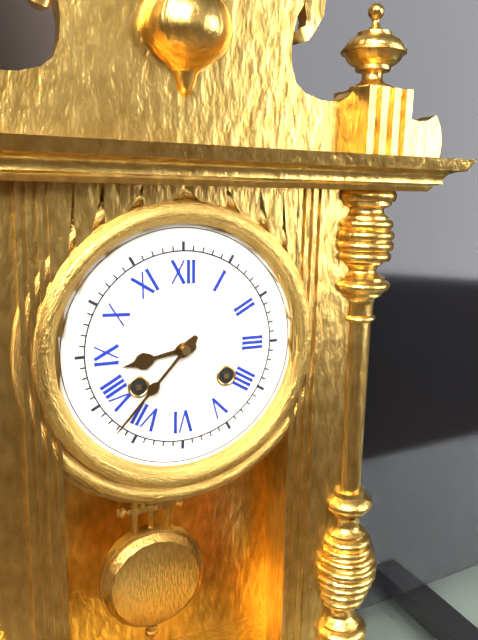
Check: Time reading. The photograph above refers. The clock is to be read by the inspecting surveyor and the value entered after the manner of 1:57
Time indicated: 8:37
